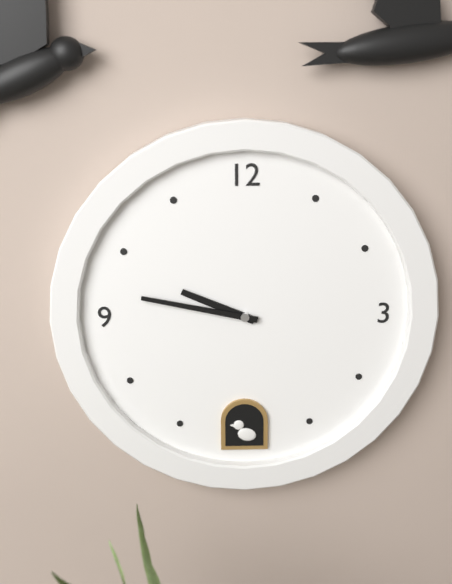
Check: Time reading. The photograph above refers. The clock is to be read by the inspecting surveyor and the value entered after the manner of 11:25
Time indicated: 9:47
